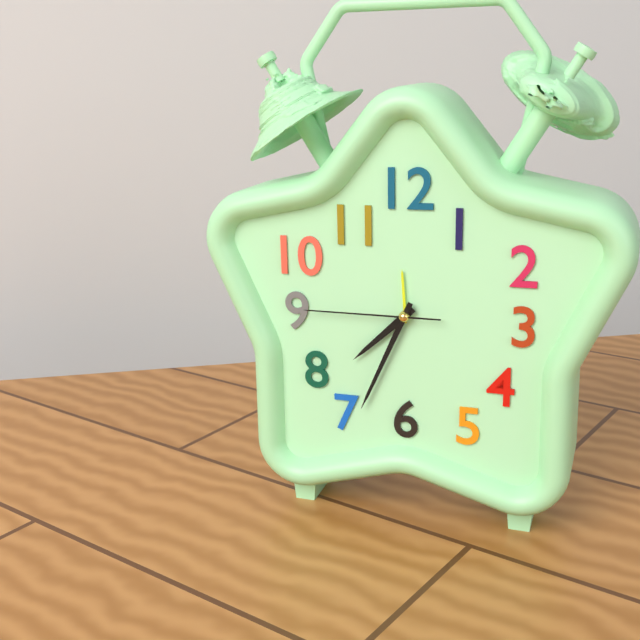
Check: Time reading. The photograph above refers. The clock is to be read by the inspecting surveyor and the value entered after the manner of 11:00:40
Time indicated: 7:34:45
